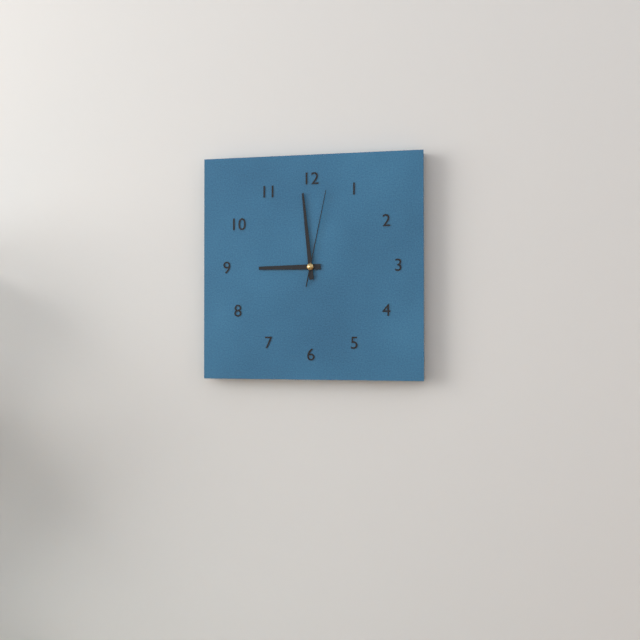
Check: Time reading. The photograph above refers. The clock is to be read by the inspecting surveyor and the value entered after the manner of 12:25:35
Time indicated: 8:59:02
